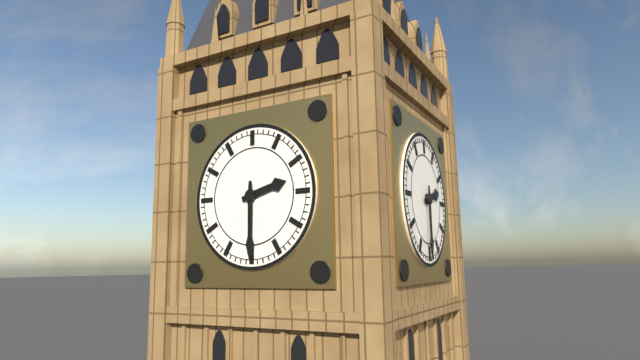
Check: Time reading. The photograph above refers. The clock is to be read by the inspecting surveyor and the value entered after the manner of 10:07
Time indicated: 2:30
